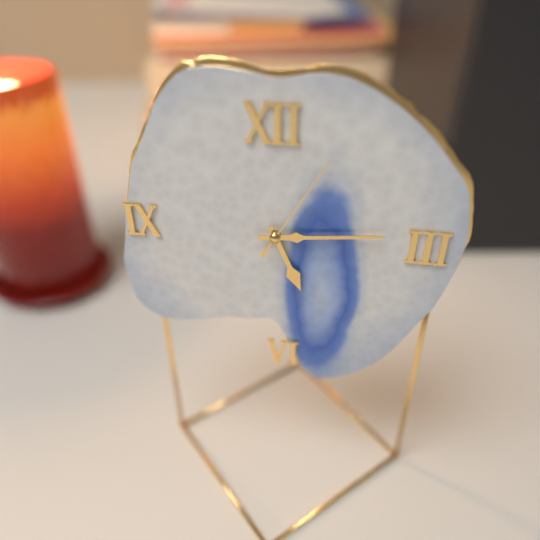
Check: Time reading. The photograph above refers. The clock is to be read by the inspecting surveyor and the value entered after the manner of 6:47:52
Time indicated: 5:14:05
